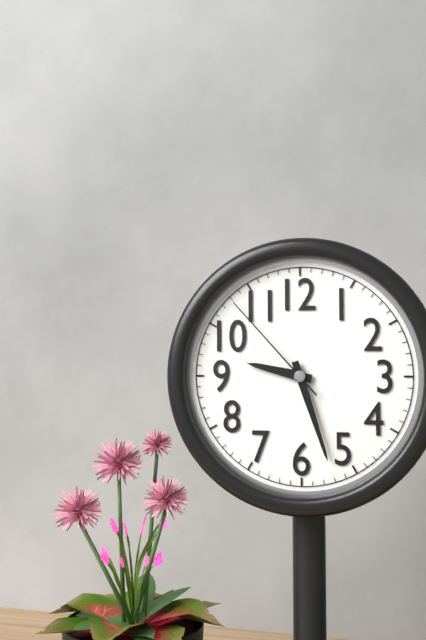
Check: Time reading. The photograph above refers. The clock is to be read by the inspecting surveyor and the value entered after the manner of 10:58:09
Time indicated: 9:27:53
